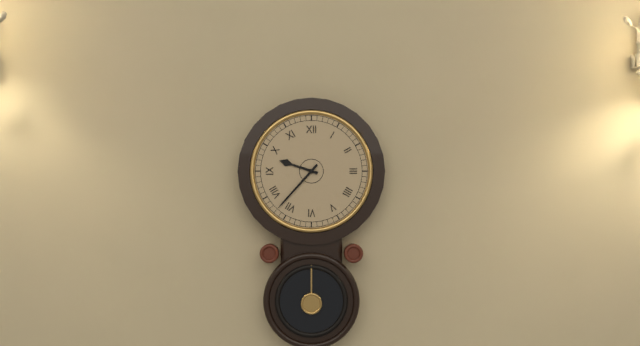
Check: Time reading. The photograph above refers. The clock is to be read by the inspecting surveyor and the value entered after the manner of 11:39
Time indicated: 9:37
